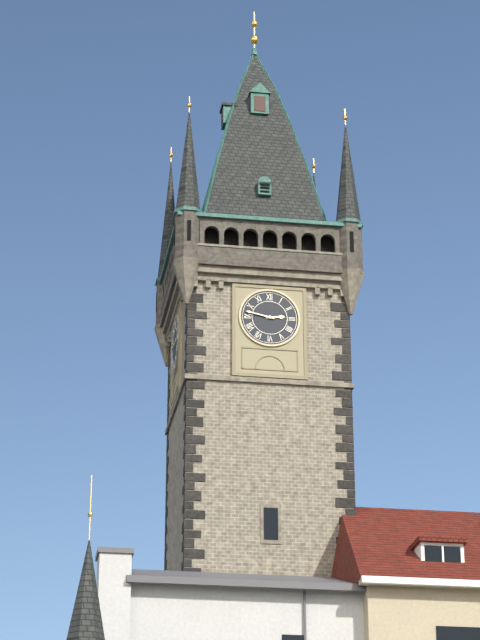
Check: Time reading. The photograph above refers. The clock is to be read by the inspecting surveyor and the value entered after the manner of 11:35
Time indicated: 2:47
